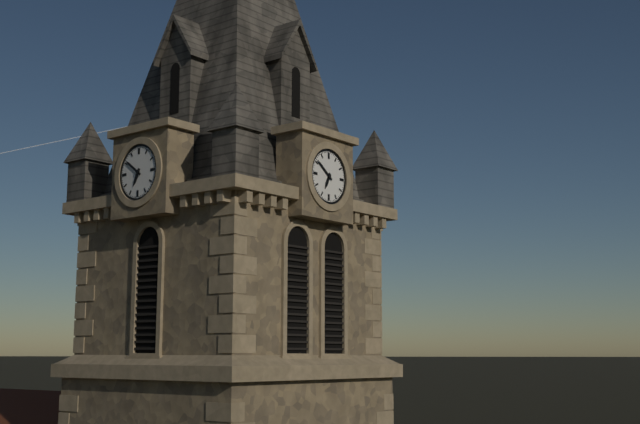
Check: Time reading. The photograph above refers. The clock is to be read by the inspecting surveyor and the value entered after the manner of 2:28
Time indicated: 6:51
